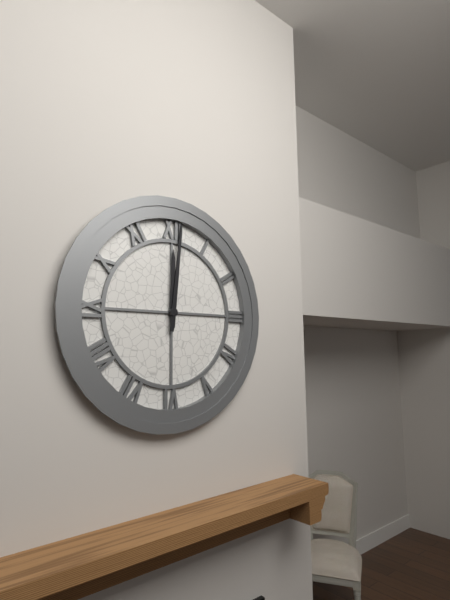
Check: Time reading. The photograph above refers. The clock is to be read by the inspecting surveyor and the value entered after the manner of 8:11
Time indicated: 12:01
